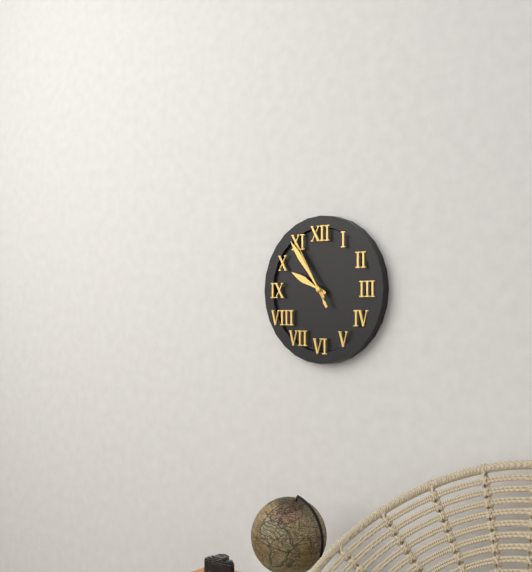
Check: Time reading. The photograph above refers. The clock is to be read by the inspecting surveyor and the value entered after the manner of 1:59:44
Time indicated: 9:54:55
